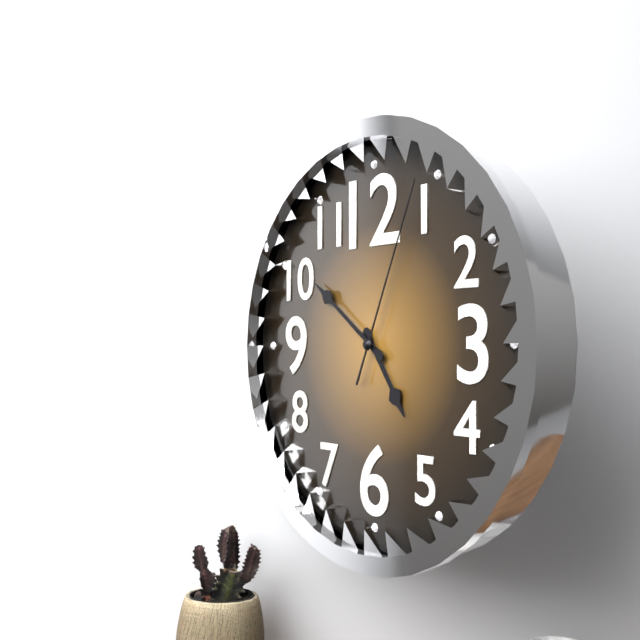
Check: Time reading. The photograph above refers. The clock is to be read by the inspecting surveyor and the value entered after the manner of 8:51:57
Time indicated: 4:51:04
